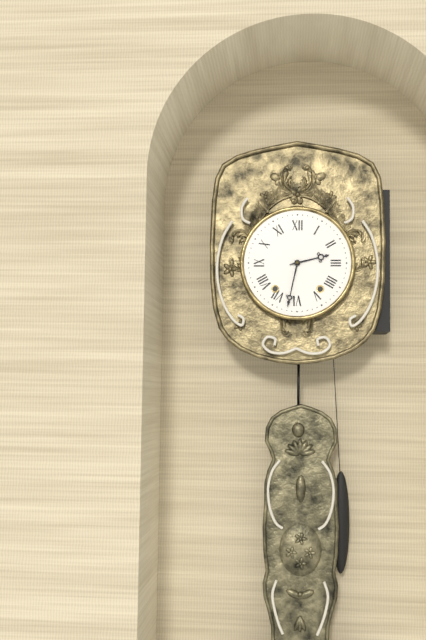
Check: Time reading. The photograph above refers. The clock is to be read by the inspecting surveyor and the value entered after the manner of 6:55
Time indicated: 2:32
